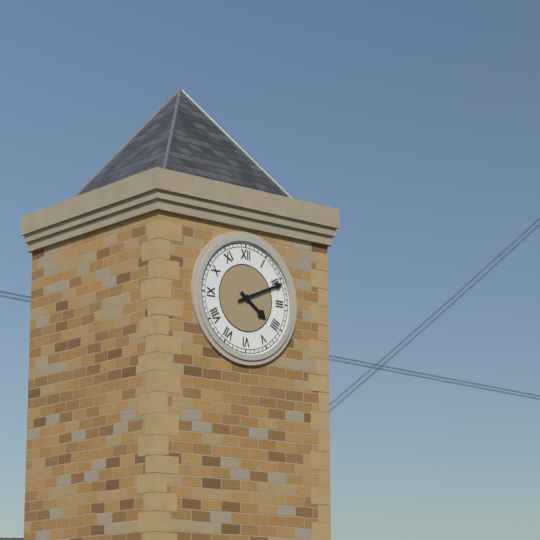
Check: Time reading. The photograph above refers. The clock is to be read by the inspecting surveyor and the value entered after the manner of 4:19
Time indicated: 4:11
